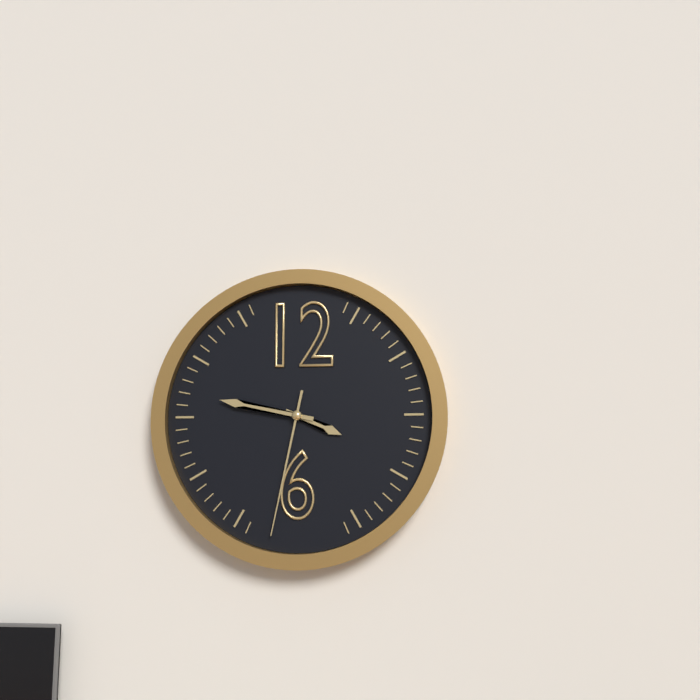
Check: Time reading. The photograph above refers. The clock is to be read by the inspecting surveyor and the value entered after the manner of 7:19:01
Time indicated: 3:47:32
